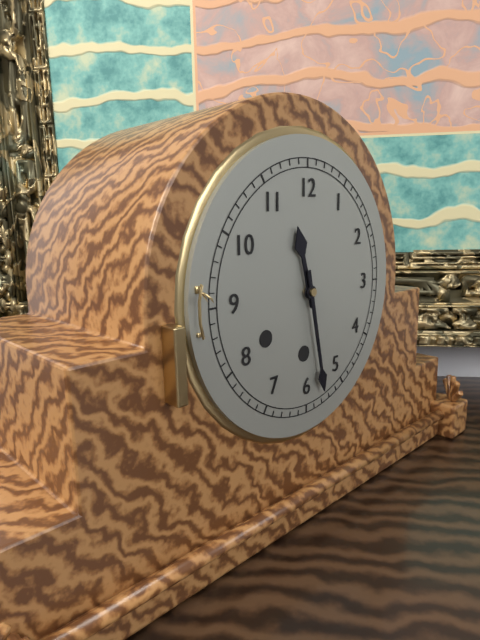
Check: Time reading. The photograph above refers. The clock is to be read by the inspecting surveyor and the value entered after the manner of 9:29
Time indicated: 11:28
